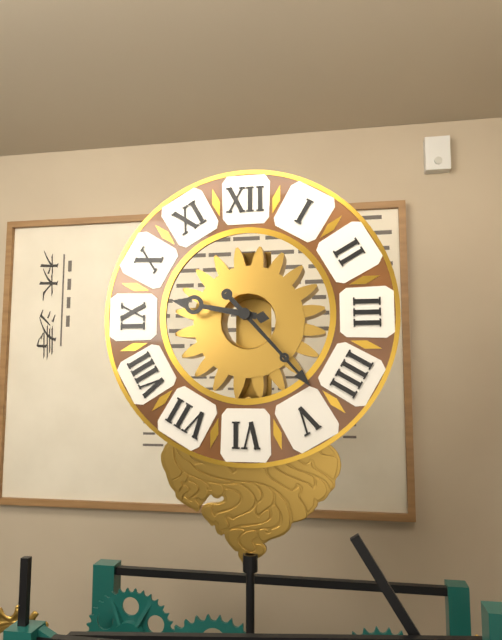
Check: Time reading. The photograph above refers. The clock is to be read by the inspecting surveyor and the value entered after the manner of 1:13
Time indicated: 9:23
